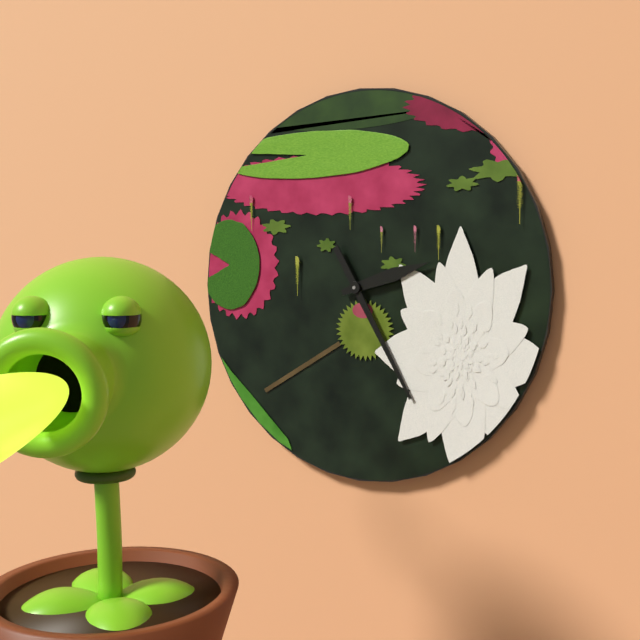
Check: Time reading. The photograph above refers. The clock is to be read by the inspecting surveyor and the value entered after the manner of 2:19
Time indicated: 2:25
